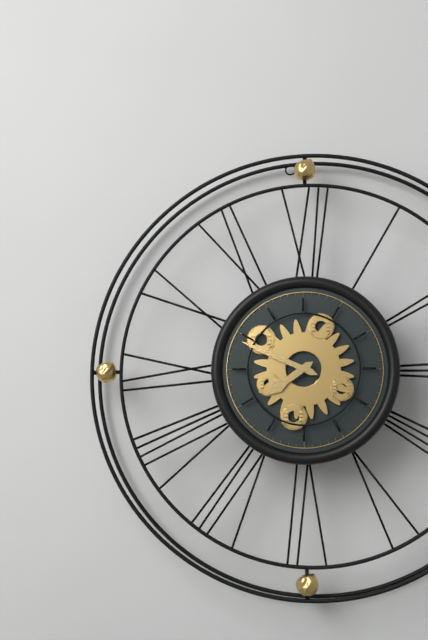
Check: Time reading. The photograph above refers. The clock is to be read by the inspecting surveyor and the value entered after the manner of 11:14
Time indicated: 7:49
